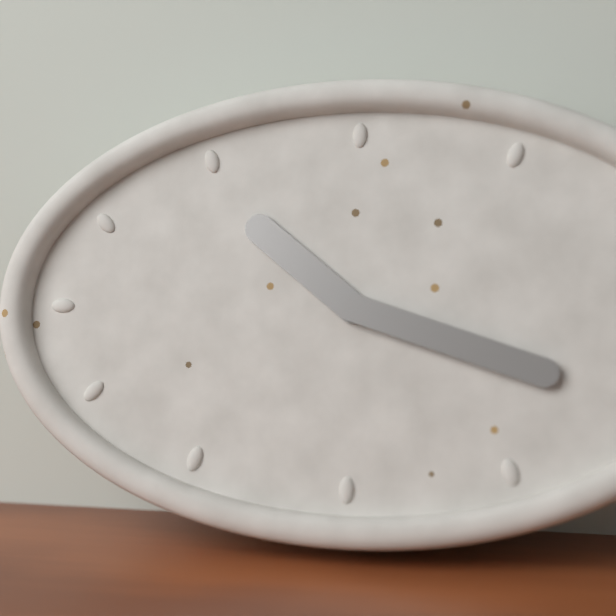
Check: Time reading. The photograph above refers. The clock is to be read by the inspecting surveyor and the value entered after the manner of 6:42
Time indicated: 10:18
